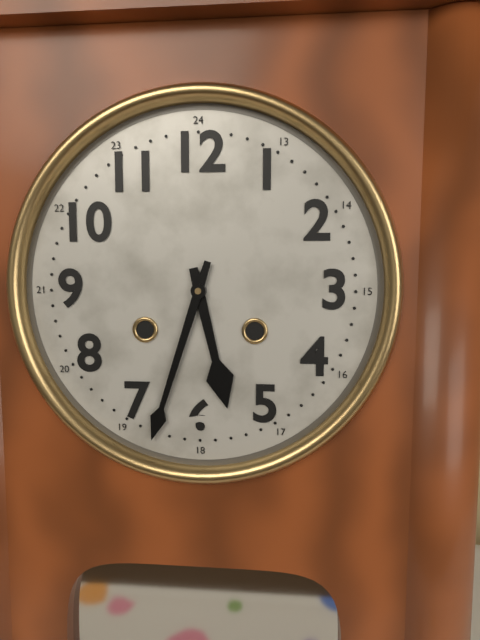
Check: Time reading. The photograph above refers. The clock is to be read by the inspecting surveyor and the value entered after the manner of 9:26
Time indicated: 5:33
